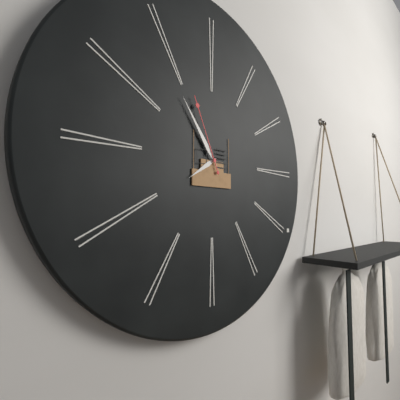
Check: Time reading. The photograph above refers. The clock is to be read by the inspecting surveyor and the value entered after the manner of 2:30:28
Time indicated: 7:54:56
